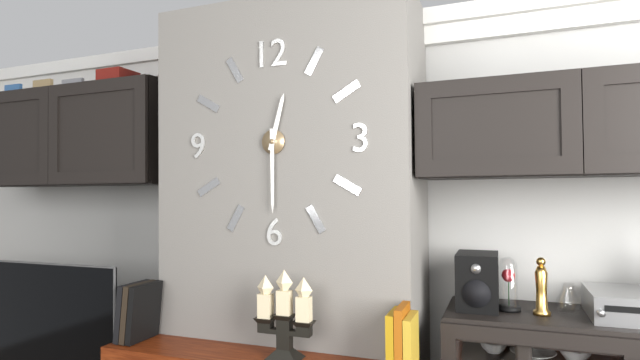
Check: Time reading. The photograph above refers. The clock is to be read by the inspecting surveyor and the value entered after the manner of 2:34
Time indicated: 12:30
